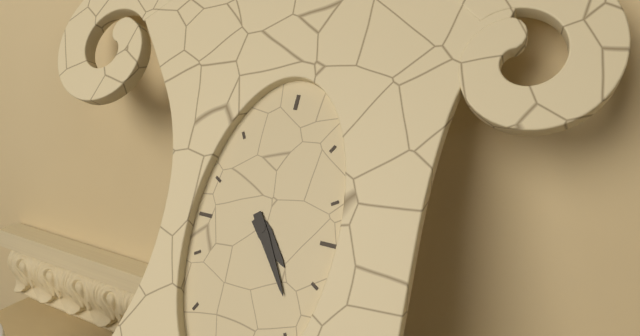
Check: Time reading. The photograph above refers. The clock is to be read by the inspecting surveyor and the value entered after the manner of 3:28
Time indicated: 4:24
